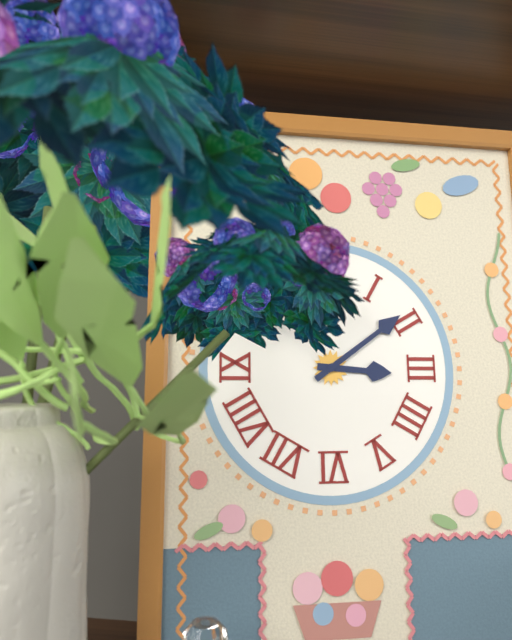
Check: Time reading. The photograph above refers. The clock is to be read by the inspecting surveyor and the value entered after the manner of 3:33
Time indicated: 3:09
